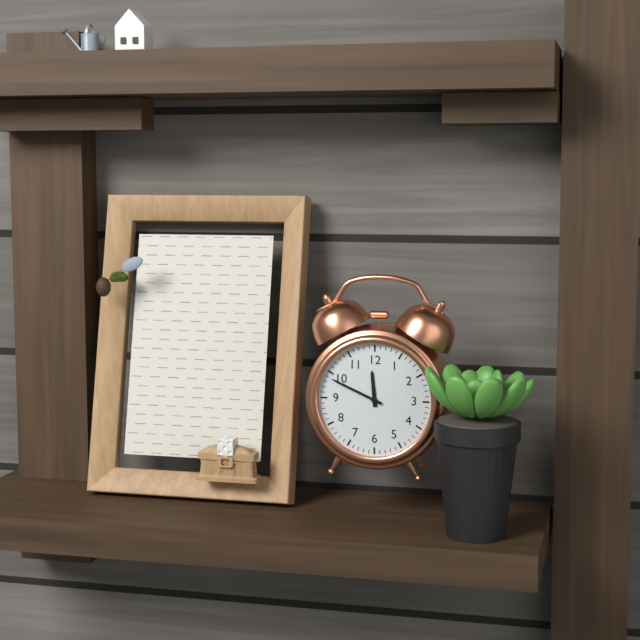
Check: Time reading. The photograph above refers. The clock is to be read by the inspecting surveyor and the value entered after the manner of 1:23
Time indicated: 11:49
